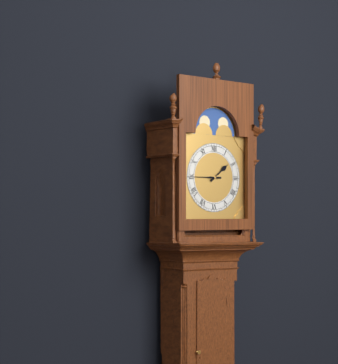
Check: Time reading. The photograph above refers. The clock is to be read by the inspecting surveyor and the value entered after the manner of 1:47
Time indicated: 1:45
